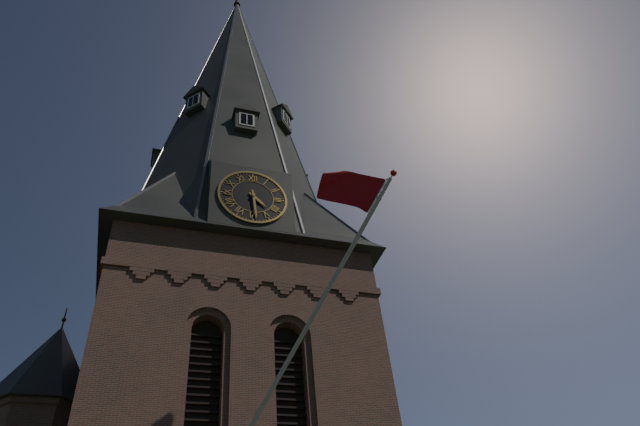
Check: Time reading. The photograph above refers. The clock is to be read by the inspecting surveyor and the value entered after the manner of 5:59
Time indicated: 4:29
